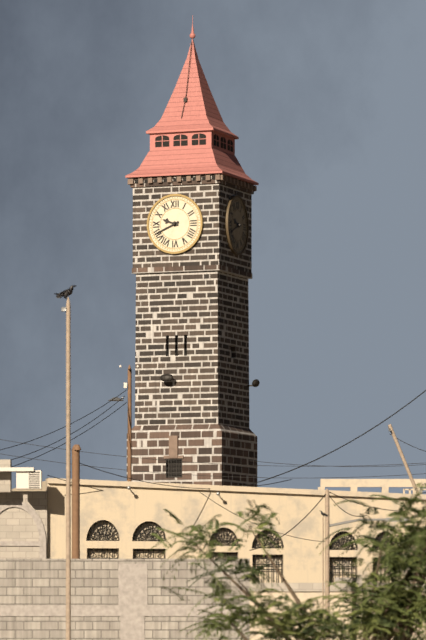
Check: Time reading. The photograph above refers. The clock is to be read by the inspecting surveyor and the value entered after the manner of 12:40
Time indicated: 9:41
